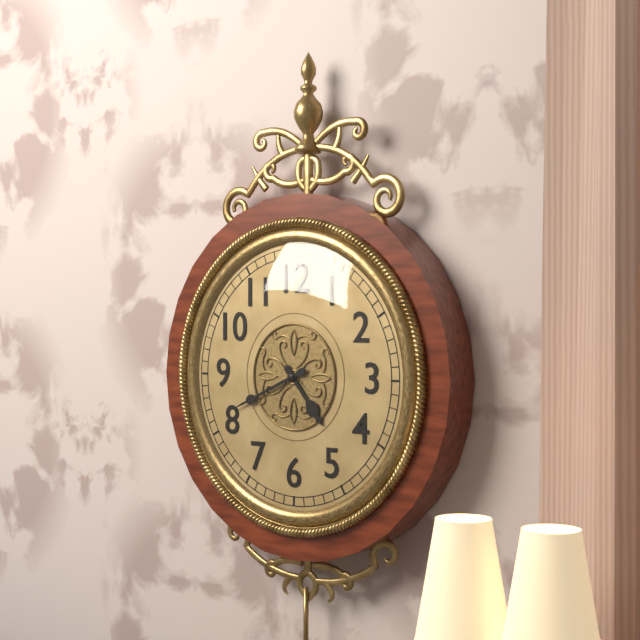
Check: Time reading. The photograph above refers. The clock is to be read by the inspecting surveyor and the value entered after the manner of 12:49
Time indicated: 4:41
